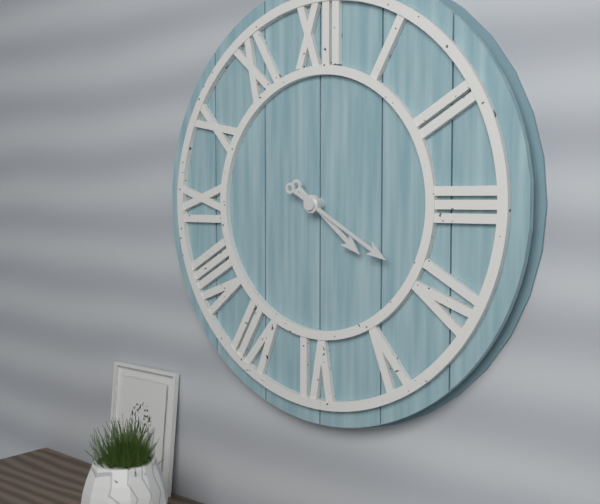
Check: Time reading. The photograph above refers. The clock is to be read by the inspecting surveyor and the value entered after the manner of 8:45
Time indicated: 4:20
